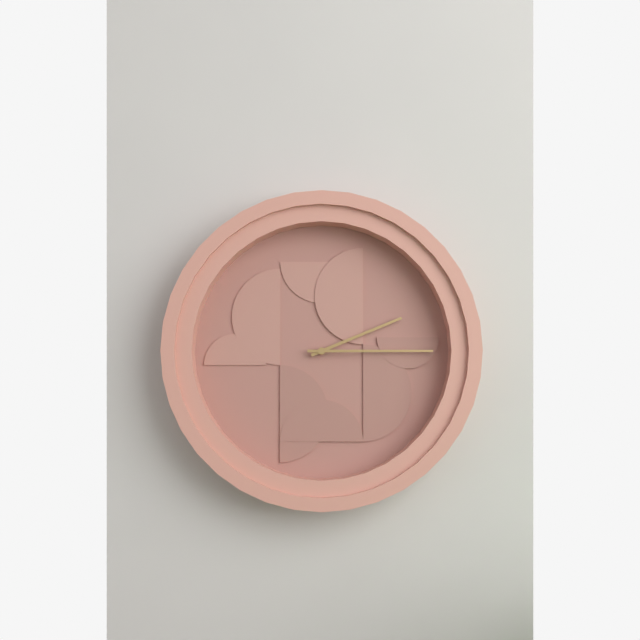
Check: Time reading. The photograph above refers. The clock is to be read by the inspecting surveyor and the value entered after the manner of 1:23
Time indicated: 2:15
